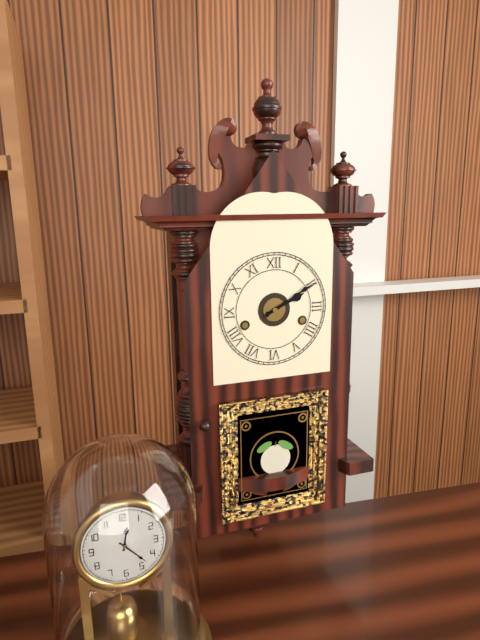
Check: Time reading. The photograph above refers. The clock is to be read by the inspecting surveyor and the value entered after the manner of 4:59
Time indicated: 2:10
